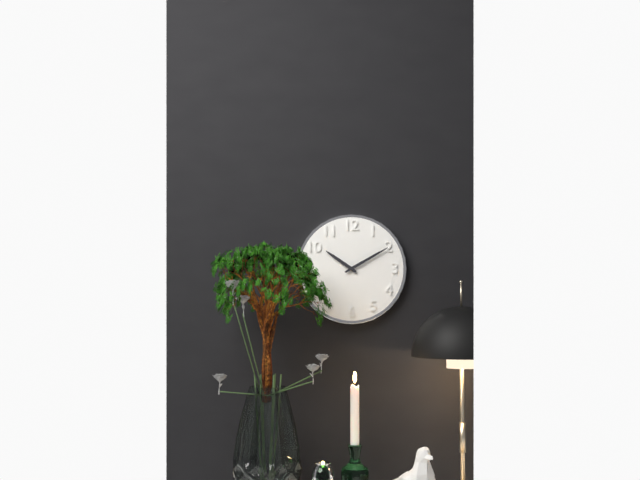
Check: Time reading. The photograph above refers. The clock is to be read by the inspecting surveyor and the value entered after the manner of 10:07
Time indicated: 10:10
